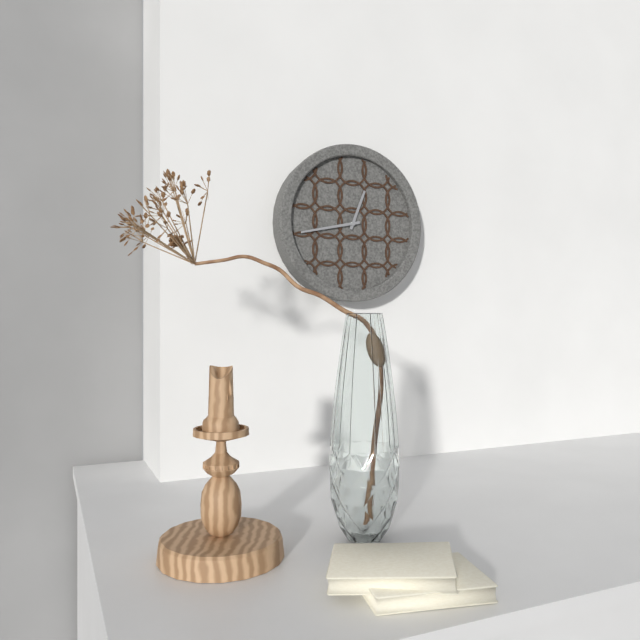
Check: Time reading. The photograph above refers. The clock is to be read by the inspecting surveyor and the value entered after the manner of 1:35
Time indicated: 12:43
